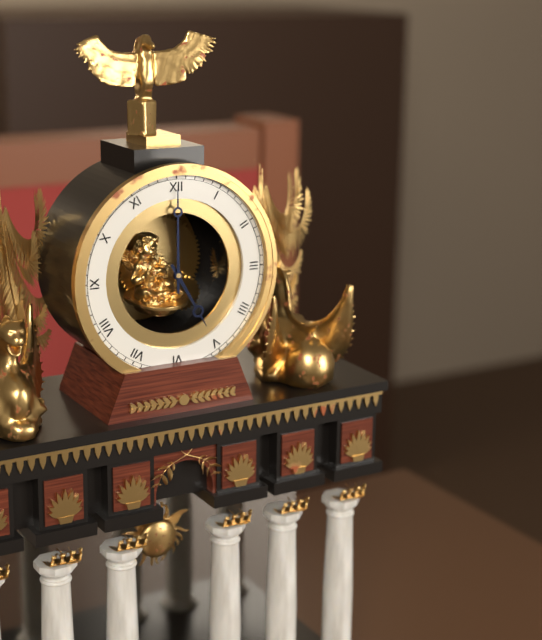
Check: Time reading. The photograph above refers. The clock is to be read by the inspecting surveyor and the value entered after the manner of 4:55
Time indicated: 5:00
